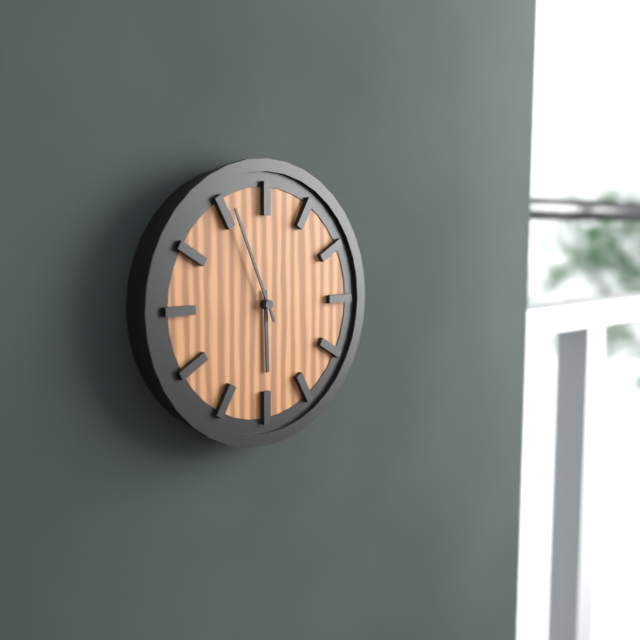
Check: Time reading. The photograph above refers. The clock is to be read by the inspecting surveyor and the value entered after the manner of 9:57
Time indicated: 5:56
